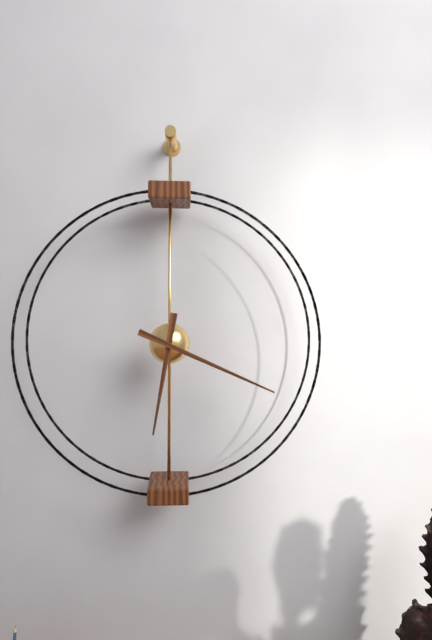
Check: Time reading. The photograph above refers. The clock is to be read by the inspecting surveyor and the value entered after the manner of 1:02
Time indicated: 6:19
